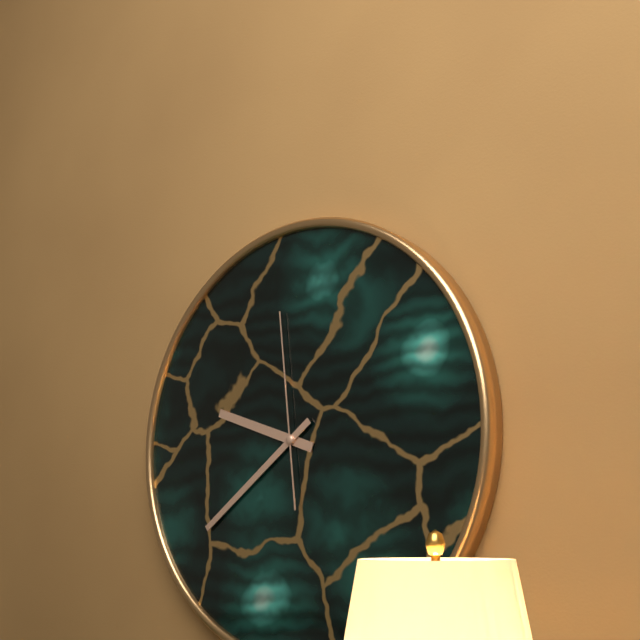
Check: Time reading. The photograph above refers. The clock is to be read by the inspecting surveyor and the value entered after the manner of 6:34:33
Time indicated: 9:39:59
